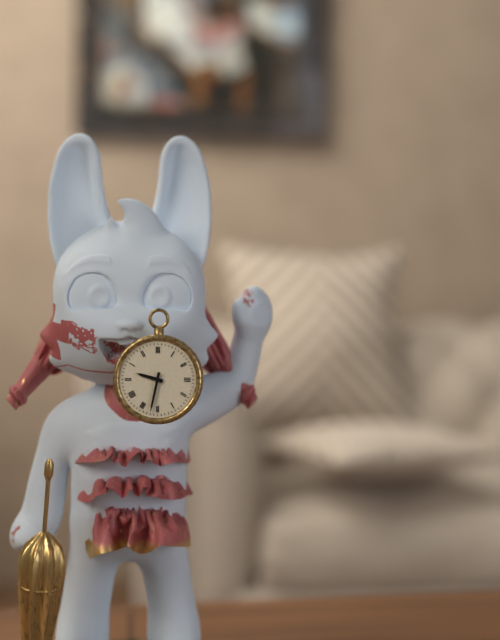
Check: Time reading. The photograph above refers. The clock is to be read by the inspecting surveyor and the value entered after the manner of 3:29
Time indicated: 9:32
